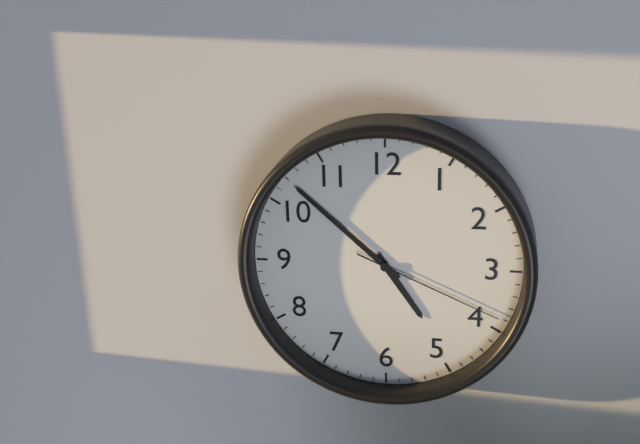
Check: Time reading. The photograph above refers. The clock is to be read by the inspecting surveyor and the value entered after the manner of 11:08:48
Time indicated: 4:52:19
